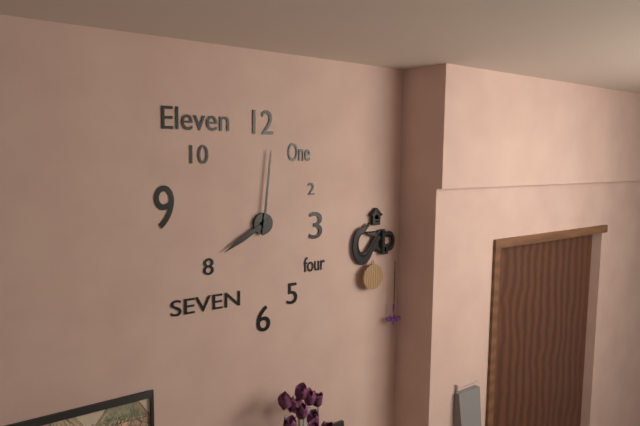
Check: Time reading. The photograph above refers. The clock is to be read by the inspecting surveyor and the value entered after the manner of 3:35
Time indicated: 8:01
